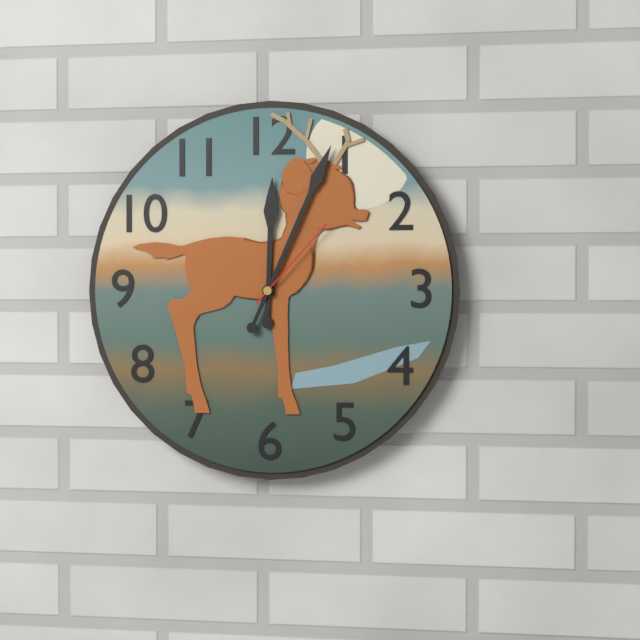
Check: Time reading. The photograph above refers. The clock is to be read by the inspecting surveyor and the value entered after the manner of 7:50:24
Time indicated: 12:04:07
